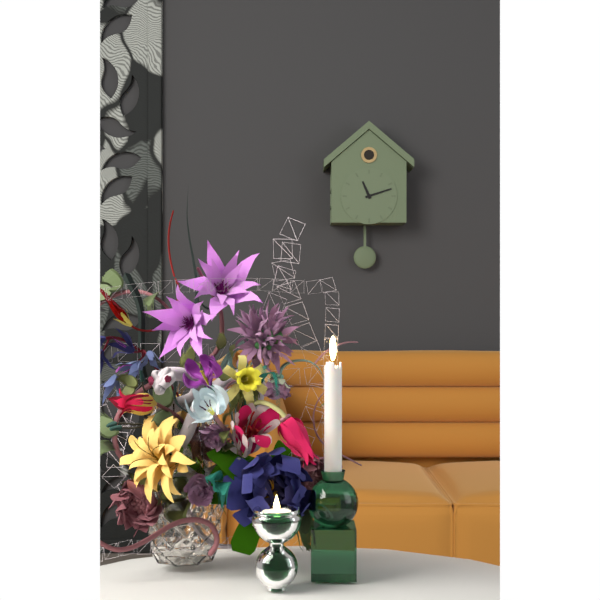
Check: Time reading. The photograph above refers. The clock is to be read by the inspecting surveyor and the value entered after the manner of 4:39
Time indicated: 11:12
